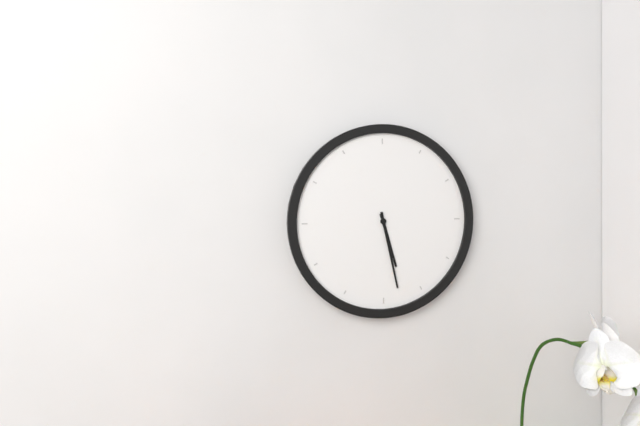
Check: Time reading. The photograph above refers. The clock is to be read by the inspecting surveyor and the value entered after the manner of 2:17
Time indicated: 5:28
